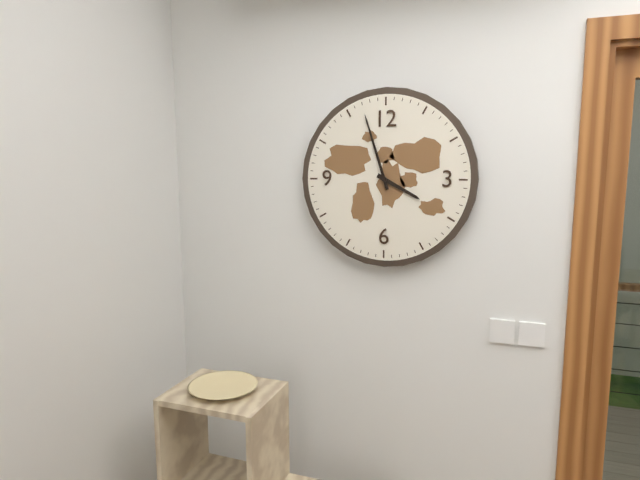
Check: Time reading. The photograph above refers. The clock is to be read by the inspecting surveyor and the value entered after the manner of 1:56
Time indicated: 3:57
